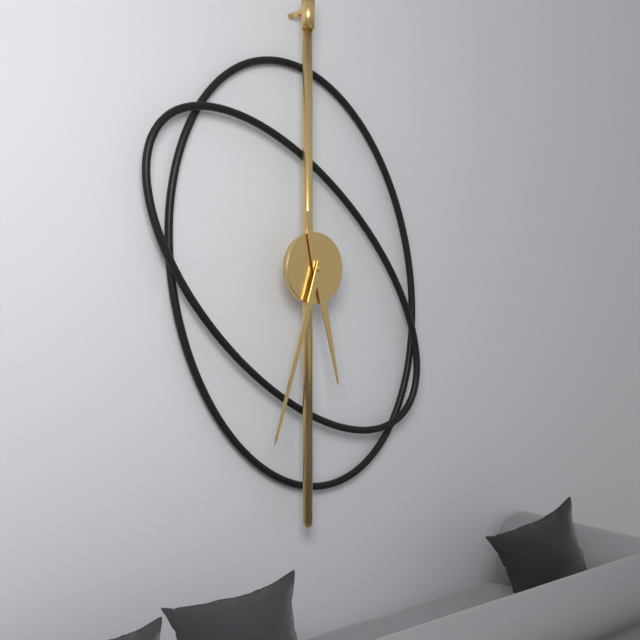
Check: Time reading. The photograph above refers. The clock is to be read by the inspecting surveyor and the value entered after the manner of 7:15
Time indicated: 5:33
